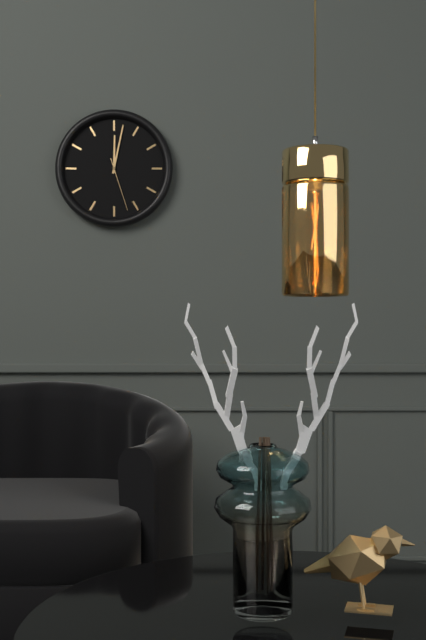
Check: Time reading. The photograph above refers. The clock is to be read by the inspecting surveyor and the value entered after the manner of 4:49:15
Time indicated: 12:02:27
